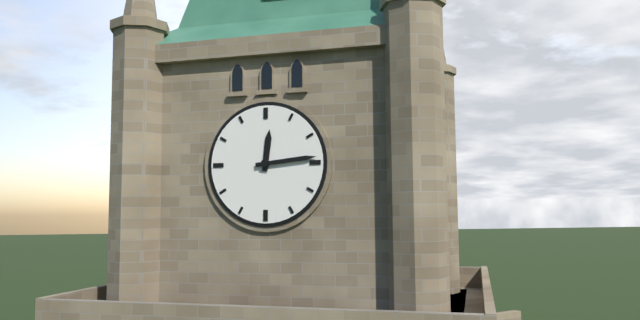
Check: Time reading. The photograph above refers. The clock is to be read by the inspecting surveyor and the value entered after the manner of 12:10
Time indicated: 12:14
